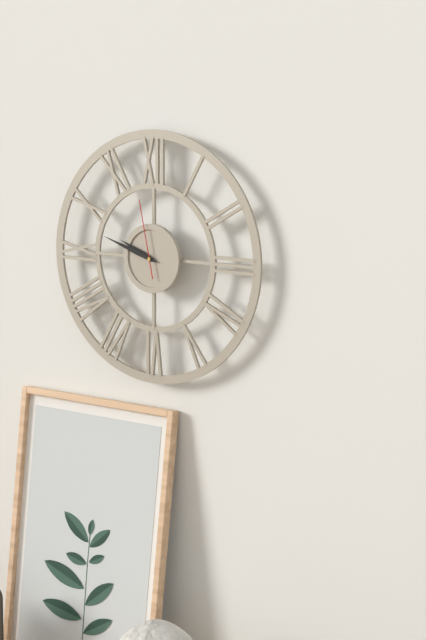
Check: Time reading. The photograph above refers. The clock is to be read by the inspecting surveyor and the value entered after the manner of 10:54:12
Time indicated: 9:48:58
